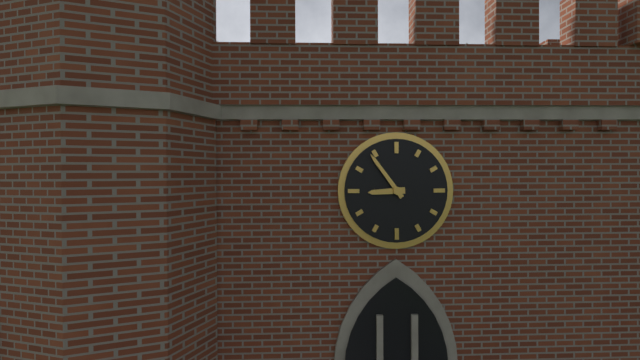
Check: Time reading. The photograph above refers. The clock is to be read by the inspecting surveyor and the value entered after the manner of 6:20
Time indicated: 8:54
